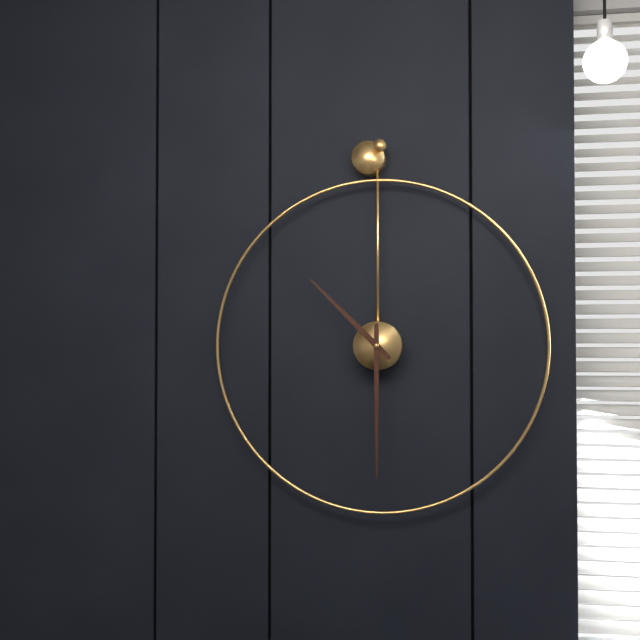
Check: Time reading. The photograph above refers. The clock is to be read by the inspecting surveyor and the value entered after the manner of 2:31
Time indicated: 10:30
